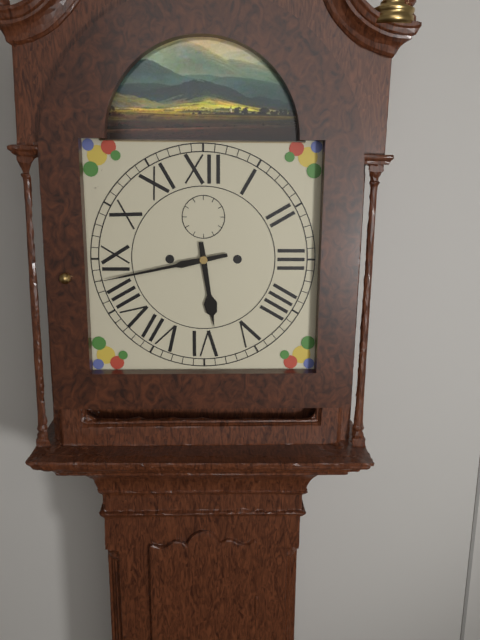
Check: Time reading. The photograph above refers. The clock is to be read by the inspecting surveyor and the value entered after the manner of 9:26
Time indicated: 5:43
